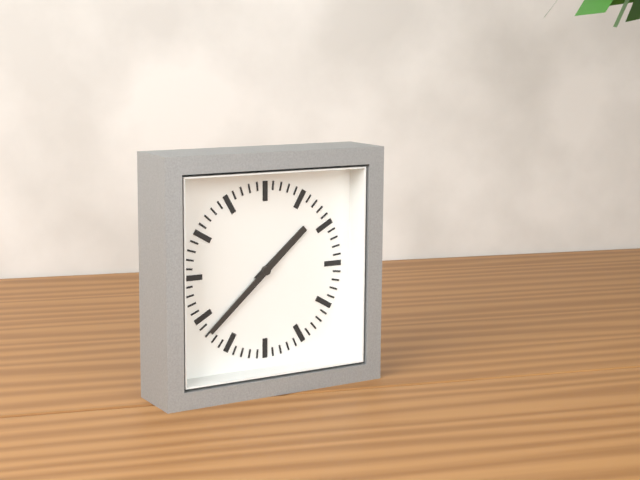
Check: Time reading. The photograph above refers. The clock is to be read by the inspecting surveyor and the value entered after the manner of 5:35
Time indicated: 1:38
